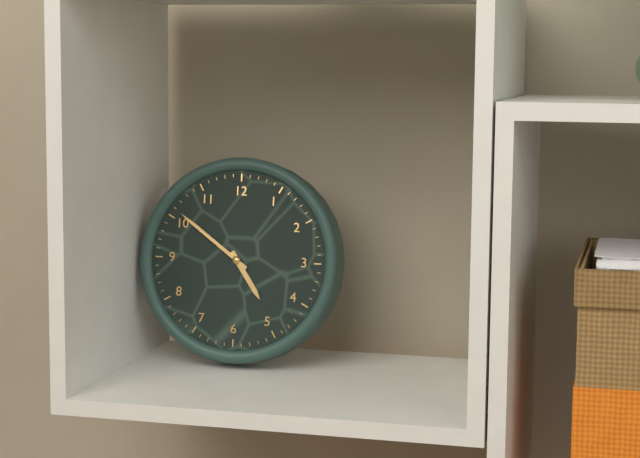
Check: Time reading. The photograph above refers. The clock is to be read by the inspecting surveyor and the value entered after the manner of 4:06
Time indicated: 4:51
